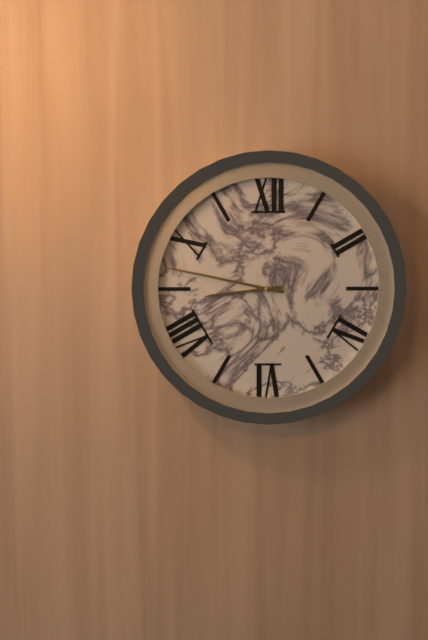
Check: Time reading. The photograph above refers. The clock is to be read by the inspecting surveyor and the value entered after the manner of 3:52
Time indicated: 8:47
